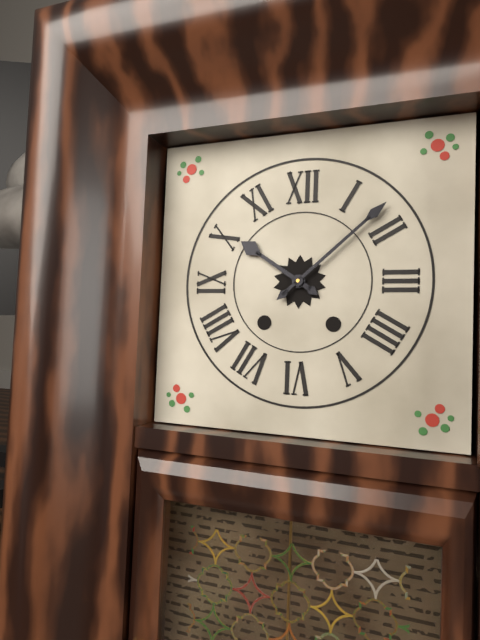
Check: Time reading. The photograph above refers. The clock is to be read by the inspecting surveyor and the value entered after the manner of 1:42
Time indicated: 10:08
